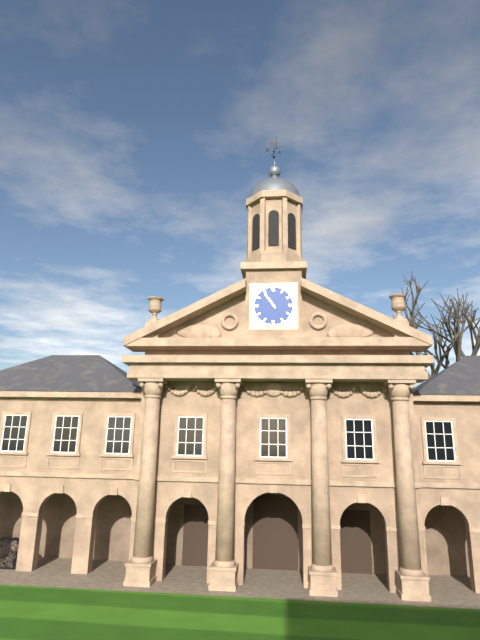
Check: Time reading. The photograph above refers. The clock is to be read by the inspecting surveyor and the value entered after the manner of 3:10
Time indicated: 10:54
